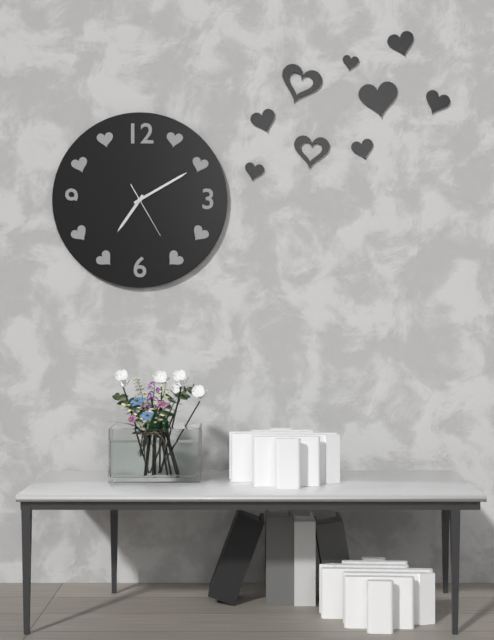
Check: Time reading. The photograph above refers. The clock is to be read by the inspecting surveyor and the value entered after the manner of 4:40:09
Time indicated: 7:10:25
